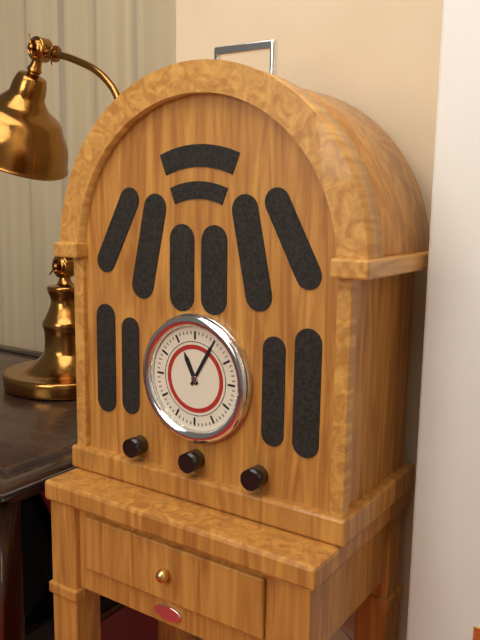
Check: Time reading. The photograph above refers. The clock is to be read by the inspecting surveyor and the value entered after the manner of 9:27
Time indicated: 11:05
